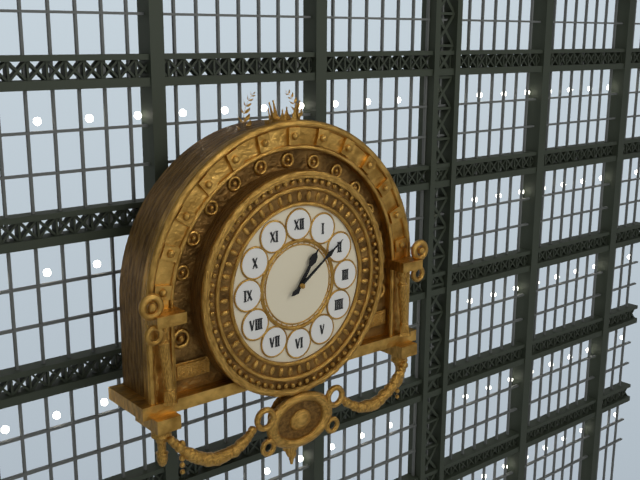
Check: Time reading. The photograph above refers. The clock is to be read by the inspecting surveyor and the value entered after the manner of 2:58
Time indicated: 1:09
